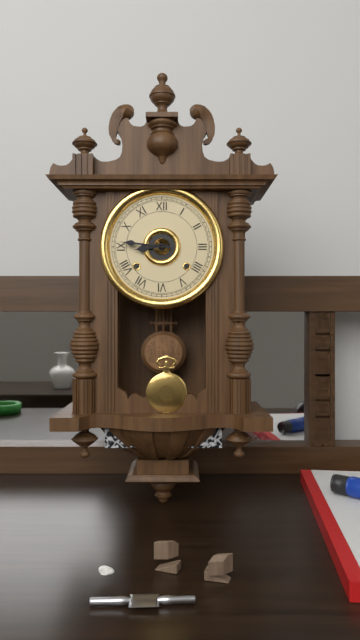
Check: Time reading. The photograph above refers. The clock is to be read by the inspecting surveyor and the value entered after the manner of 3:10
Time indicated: 8:46
